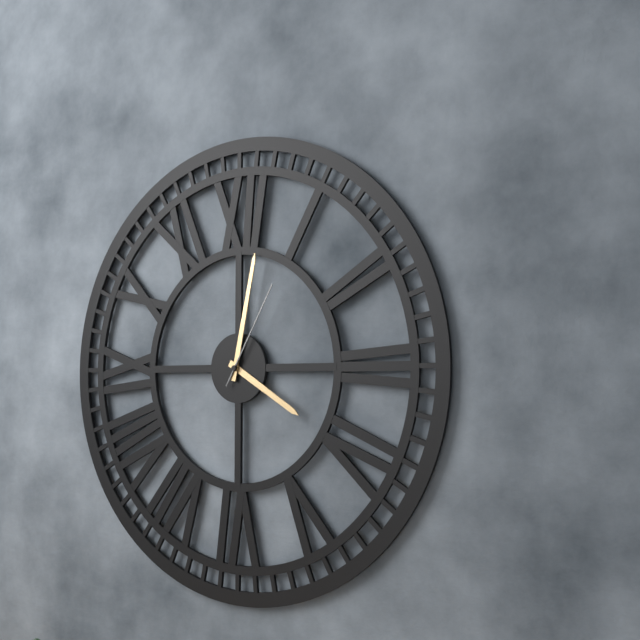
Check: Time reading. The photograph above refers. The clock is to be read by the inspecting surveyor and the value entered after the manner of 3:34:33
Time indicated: 4:02:05
